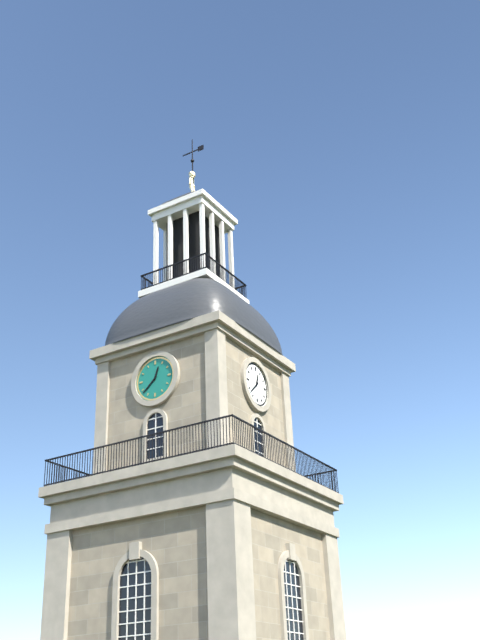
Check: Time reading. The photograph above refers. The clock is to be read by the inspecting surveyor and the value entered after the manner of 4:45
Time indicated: 12:38
